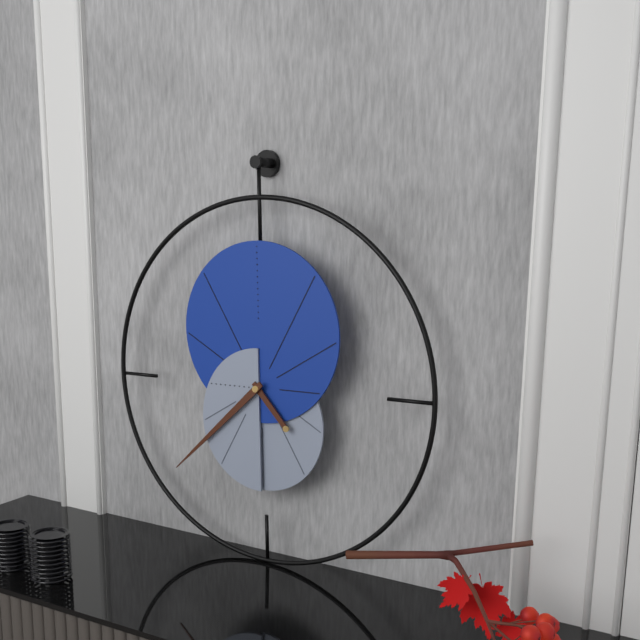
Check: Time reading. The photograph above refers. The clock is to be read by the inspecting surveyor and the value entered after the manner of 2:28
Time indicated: 4:38
